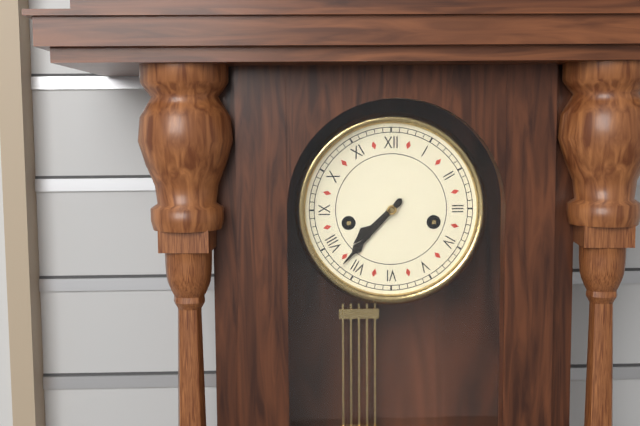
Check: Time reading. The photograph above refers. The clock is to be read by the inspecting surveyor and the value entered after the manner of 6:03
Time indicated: 7:37
